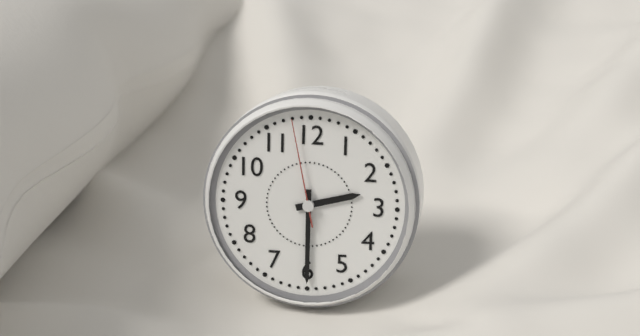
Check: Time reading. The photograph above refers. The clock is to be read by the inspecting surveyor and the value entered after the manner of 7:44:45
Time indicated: 2:30:58
